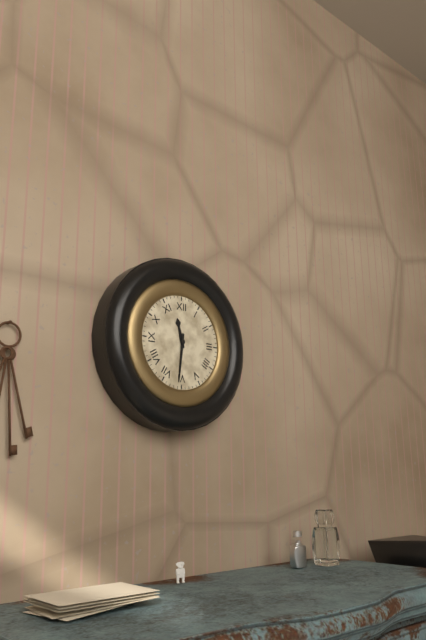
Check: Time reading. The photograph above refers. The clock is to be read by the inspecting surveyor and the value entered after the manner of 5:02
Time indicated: 11:31
